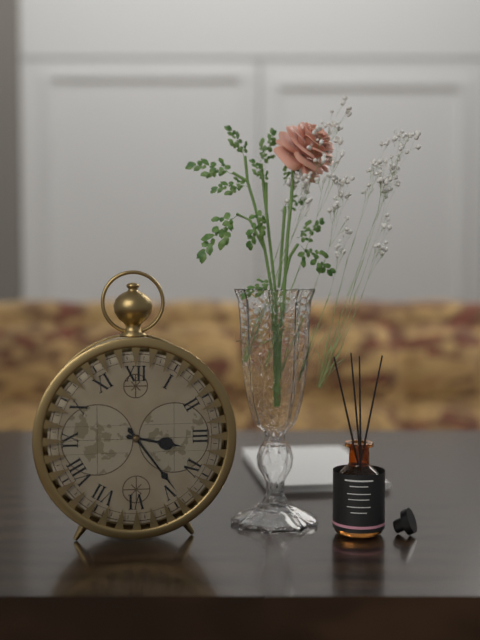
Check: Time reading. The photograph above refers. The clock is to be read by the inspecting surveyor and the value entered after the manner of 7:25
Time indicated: 3:24
